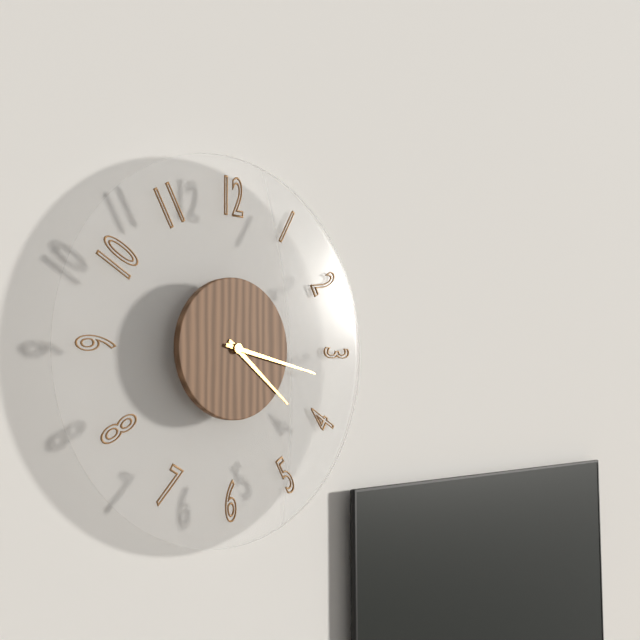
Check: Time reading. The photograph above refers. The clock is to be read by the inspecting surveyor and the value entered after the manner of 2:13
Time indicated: 4:17
